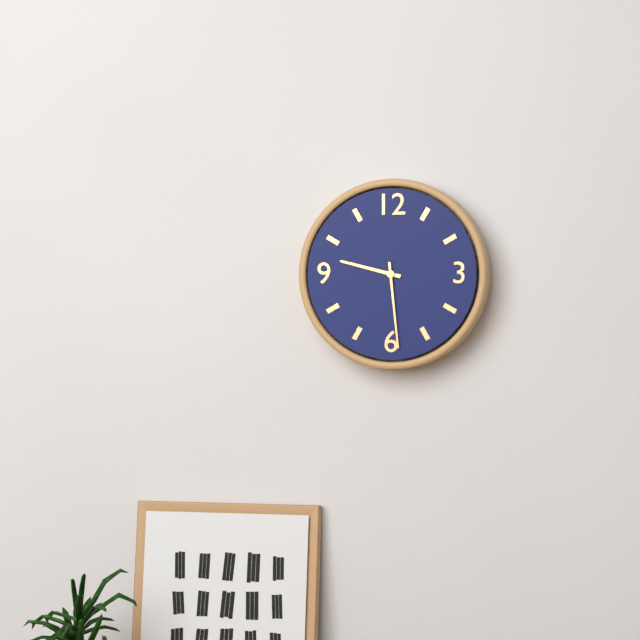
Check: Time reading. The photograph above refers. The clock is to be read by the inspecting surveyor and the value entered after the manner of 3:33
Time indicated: 9:29
